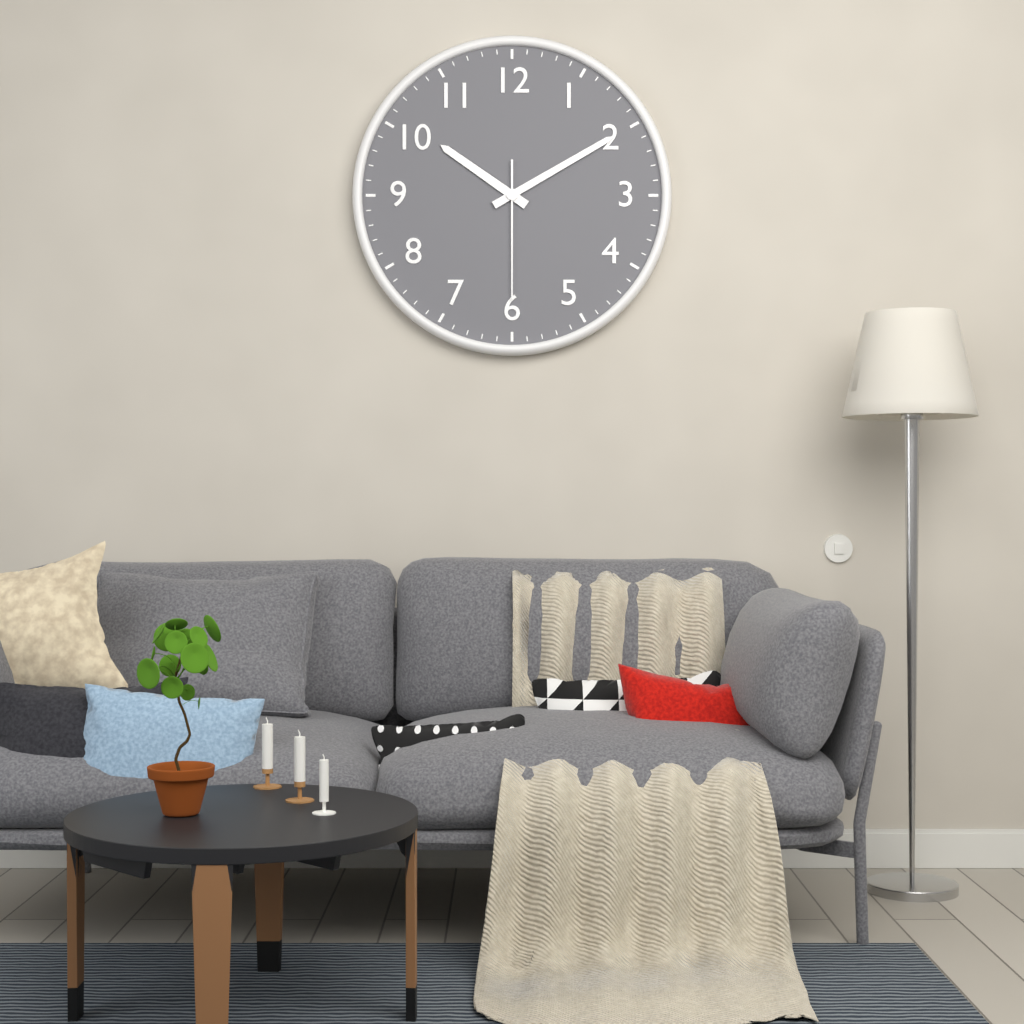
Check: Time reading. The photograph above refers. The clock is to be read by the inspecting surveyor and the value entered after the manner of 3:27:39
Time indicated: 10:10:30
